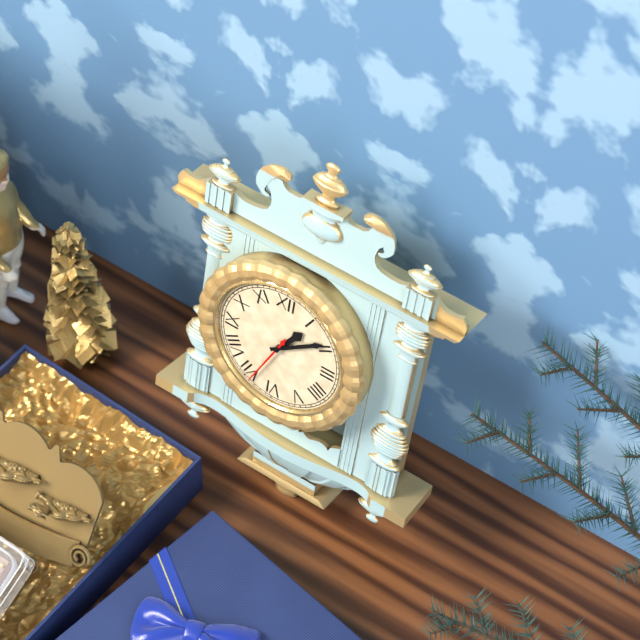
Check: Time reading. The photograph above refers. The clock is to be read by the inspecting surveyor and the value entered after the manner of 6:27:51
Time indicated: 1:09:34
